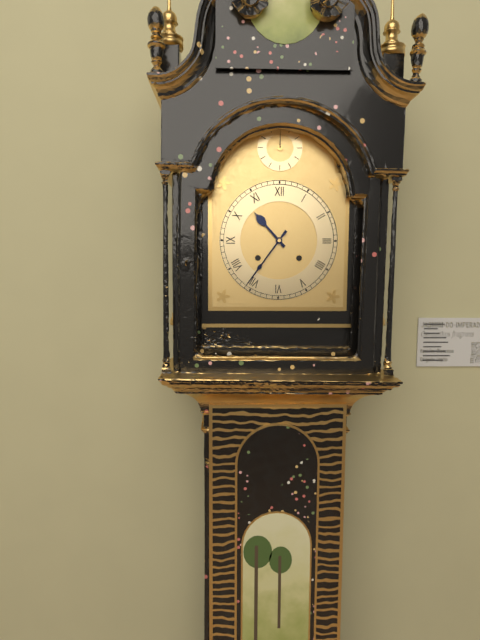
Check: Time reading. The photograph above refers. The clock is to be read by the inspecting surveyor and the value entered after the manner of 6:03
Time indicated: 10:36
